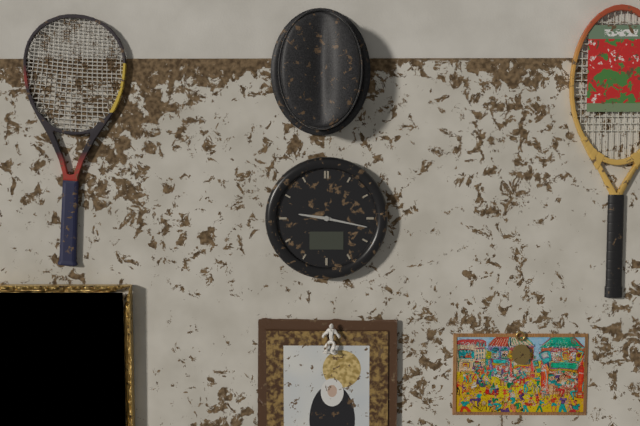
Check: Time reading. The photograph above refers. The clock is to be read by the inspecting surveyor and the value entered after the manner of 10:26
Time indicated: 9:17
